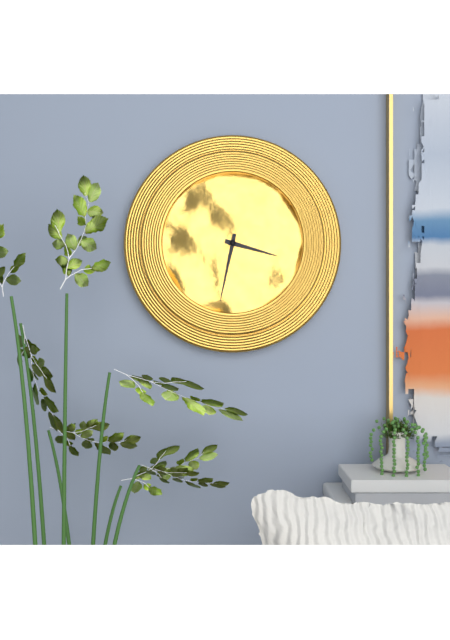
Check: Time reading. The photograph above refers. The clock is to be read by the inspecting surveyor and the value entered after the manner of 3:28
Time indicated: 3:32
